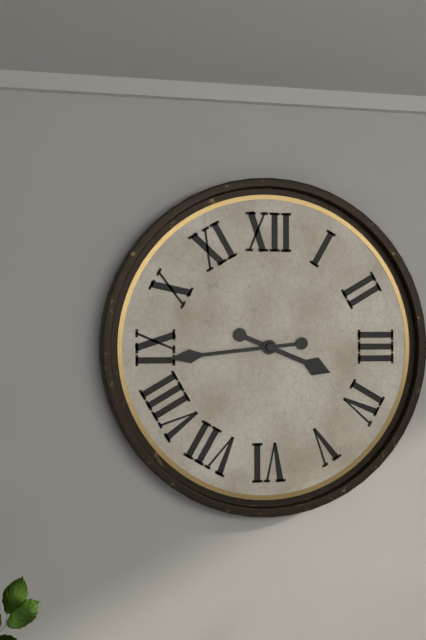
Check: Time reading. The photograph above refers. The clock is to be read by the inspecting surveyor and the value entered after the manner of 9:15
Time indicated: 3:44
